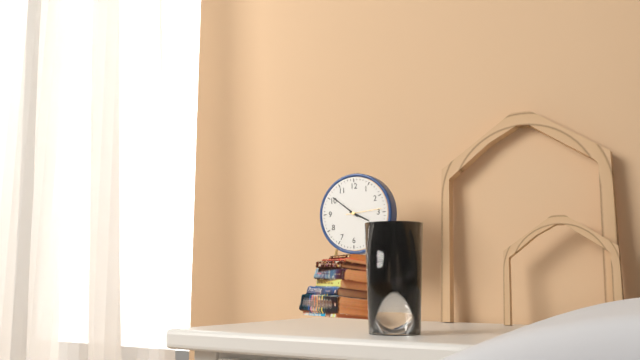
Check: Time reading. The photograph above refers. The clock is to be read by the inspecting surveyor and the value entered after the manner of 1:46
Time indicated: 3:51
